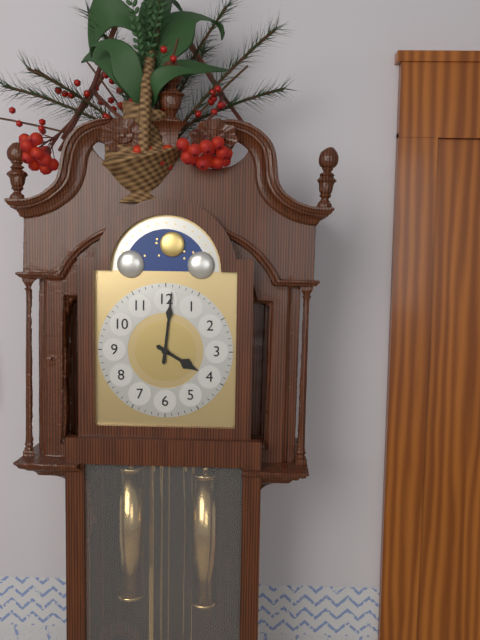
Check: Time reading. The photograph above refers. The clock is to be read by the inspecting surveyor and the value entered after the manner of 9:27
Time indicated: 4:01
